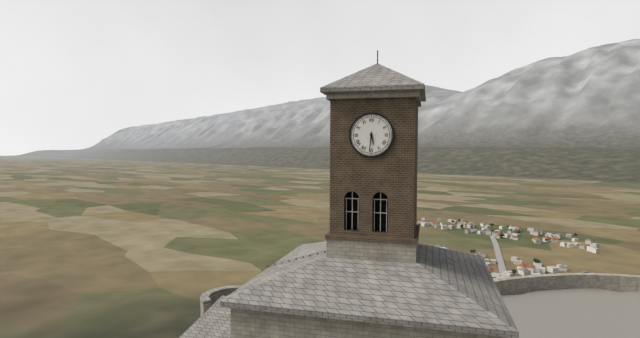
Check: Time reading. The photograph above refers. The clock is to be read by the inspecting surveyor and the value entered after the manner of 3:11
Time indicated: 5:31
